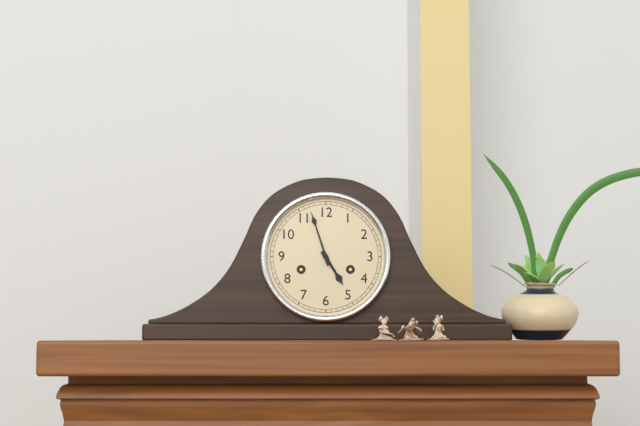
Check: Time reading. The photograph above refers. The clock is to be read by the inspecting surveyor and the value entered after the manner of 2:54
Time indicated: 4:57
